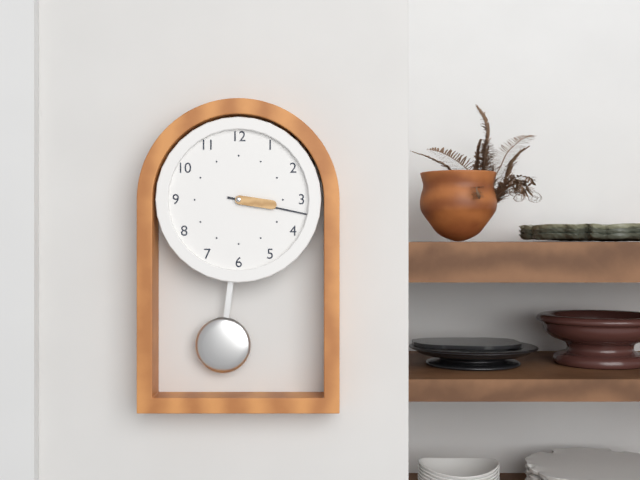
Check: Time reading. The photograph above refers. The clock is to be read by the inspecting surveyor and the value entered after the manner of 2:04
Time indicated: 3:17
